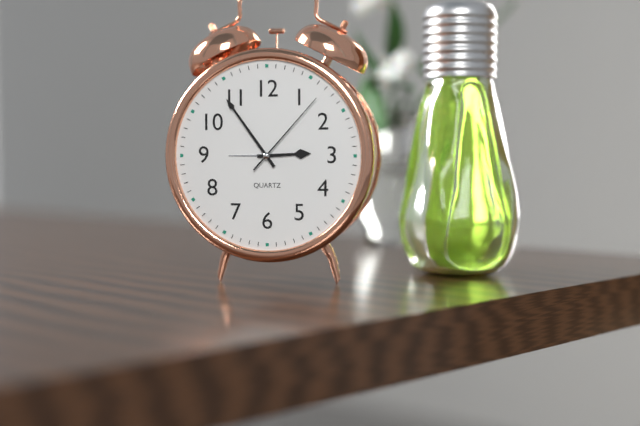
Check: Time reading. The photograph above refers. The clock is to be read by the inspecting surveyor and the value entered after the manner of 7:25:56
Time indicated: 2:54:07
